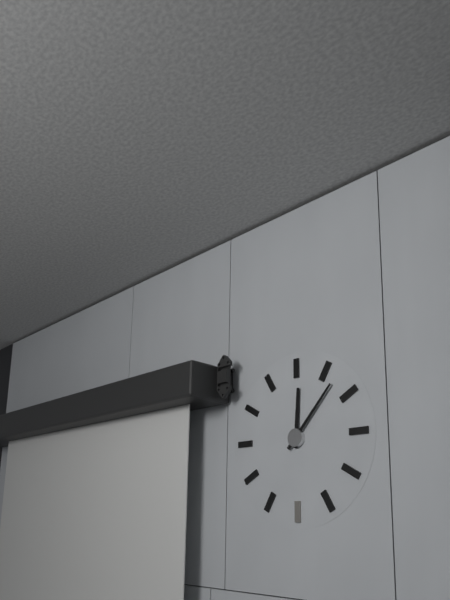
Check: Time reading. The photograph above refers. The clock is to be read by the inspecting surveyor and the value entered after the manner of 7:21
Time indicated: 12:07
